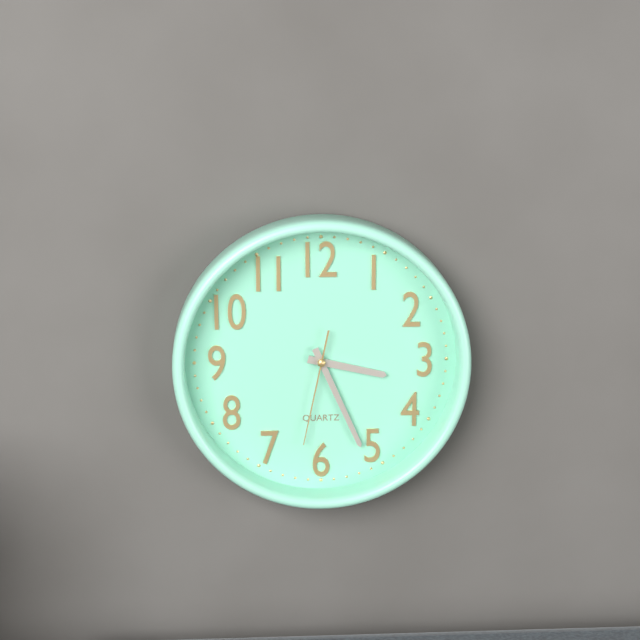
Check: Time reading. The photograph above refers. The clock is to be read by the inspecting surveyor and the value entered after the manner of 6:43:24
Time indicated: 3:26:32
